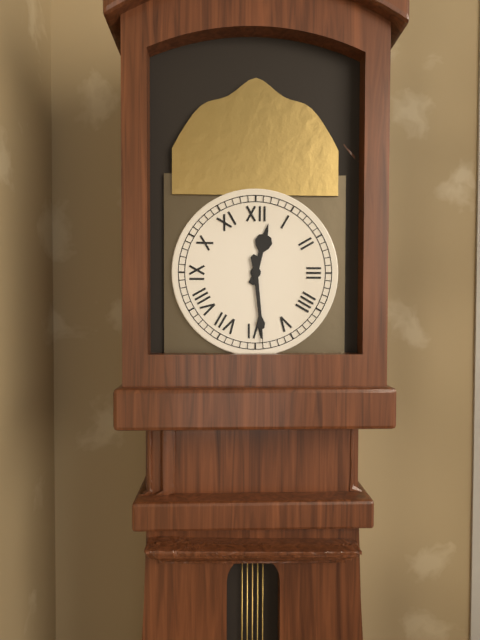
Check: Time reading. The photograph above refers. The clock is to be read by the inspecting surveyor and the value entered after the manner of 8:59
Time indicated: 12:29
